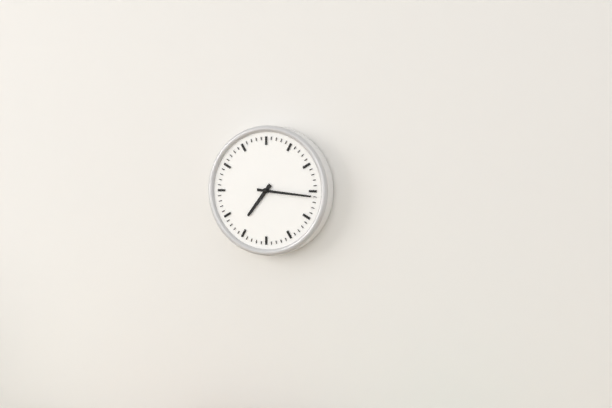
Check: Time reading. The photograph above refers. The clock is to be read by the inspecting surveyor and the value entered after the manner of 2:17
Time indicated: 7:16
